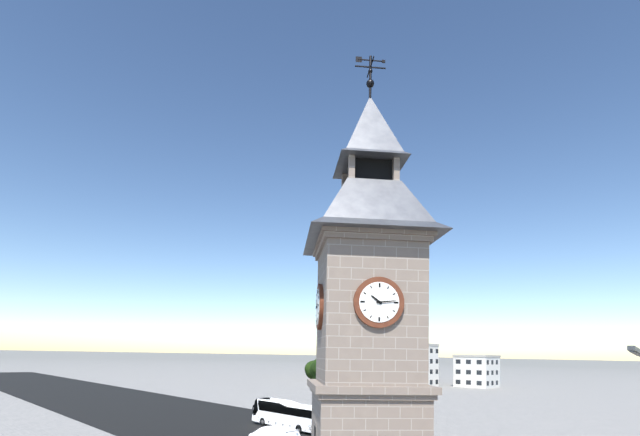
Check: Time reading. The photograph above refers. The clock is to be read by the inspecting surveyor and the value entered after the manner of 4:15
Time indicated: 10:14
